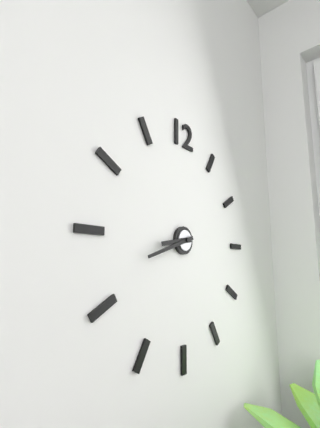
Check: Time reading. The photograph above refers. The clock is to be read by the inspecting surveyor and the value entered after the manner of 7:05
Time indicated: 8:42
